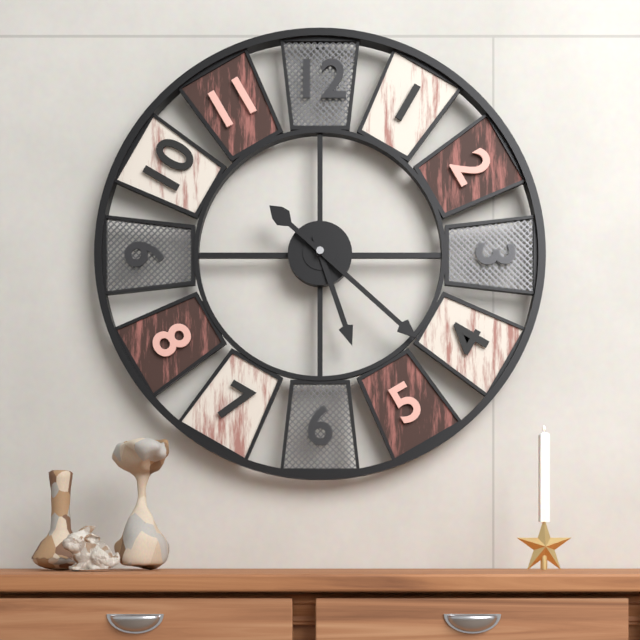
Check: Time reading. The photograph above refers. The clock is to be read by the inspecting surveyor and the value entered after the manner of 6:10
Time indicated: 5:22
